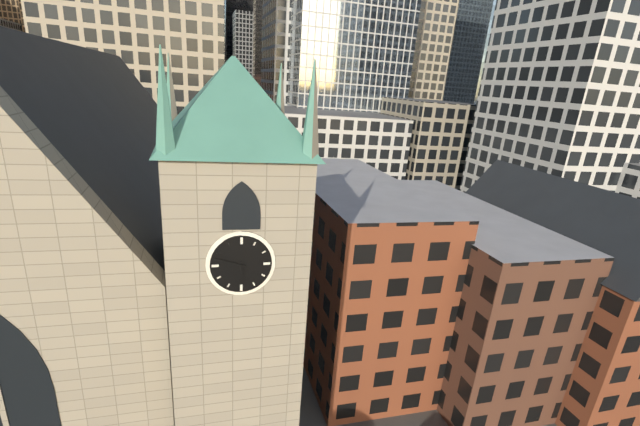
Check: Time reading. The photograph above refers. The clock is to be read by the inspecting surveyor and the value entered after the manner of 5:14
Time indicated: 5:48
